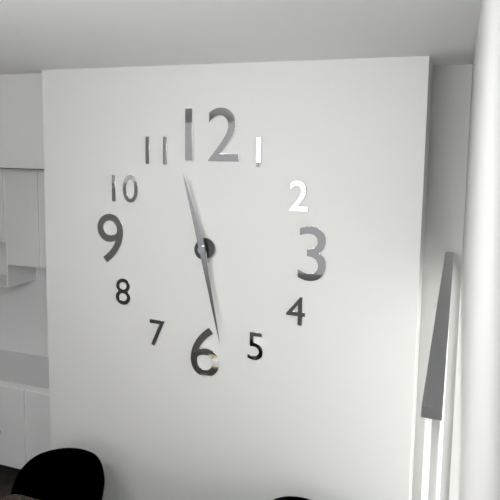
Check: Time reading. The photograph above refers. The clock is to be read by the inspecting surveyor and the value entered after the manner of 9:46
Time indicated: 11:28
